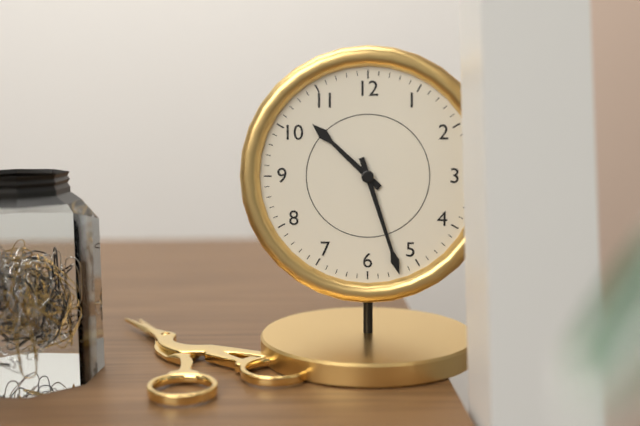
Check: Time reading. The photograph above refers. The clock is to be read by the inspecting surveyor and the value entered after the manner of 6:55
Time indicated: 10:27
